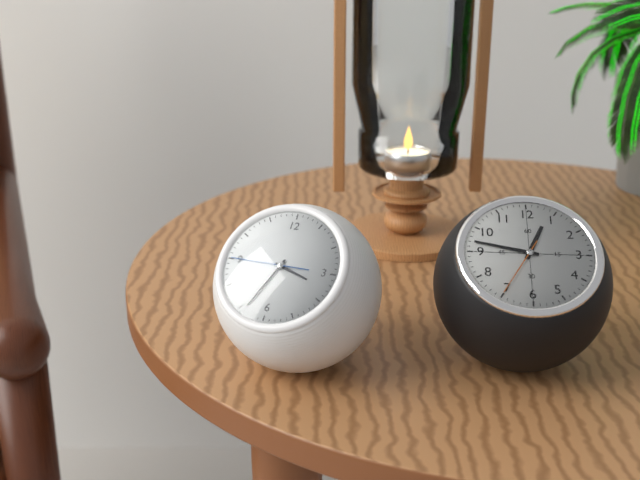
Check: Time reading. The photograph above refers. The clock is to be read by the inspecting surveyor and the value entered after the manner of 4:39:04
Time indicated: 3:34:45
